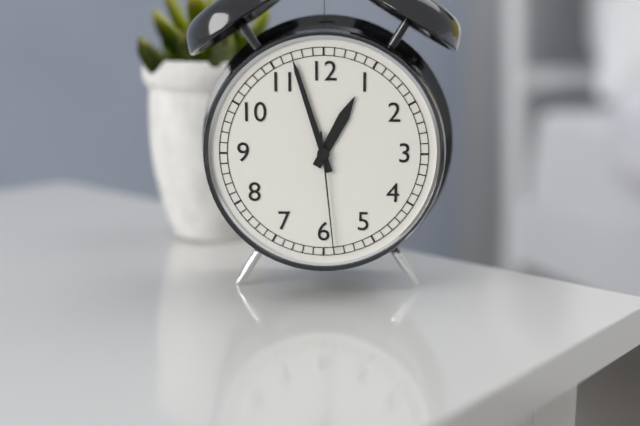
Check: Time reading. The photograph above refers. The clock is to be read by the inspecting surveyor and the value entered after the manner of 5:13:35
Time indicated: 12:57:29
